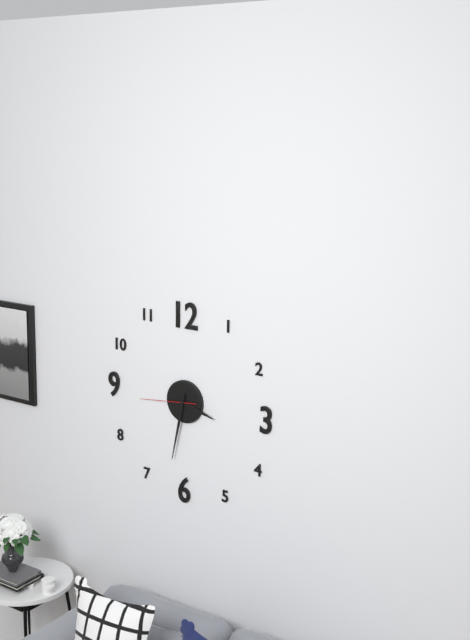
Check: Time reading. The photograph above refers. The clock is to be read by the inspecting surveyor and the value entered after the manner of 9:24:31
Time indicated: 3:32:44
